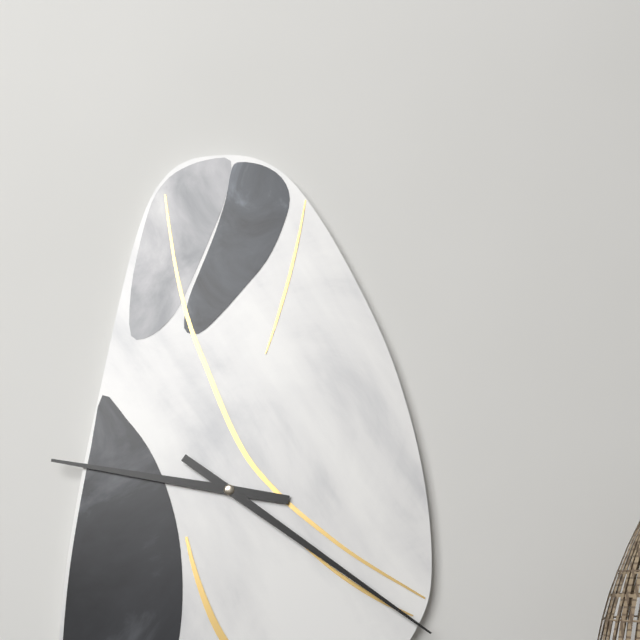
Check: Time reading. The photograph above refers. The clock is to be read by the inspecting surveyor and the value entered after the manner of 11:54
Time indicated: 9:21
